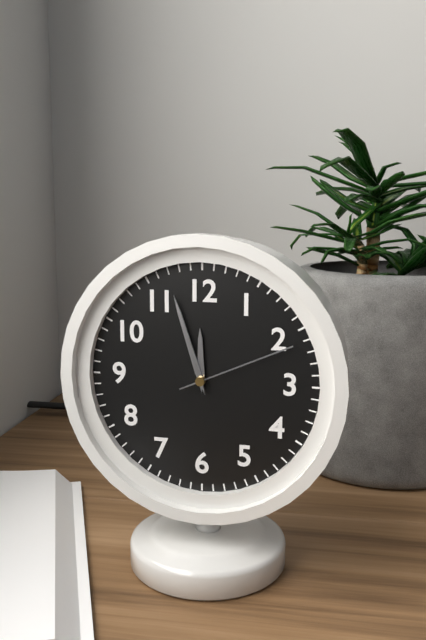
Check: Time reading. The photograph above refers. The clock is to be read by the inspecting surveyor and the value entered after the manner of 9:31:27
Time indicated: 11:57:11
